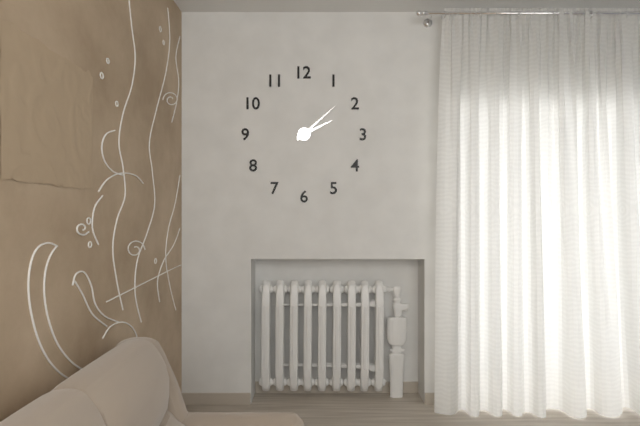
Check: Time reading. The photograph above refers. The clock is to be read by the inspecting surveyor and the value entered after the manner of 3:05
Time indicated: 2:08
